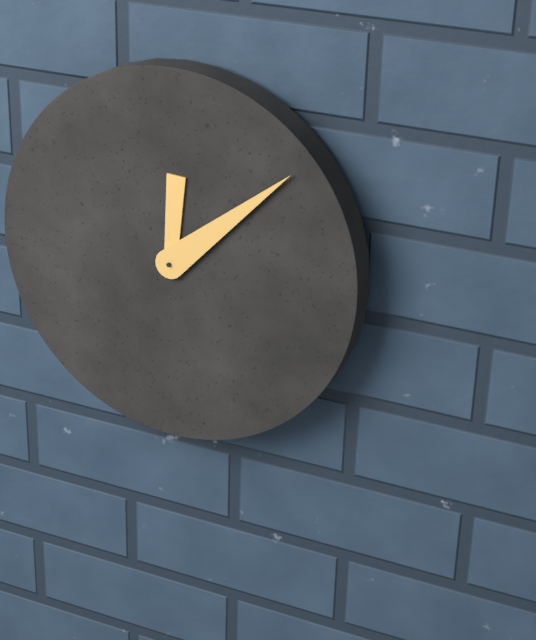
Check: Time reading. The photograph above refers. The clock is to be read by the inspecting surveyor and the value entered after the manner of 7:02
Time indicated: 12:08
